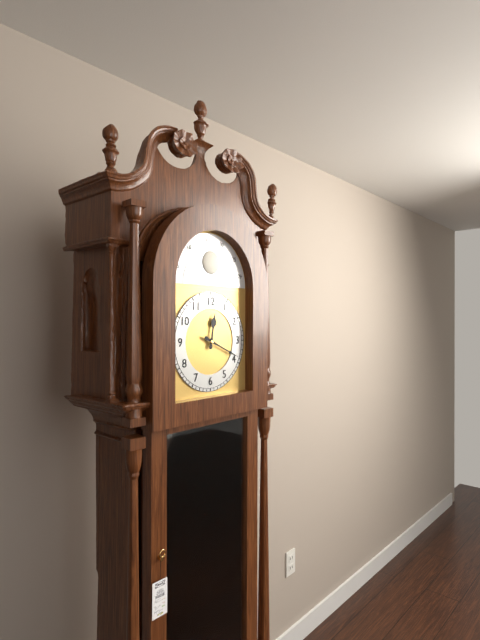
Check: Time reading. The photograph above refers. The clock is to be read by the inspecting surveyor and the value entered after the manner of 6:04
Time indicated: 12:19
